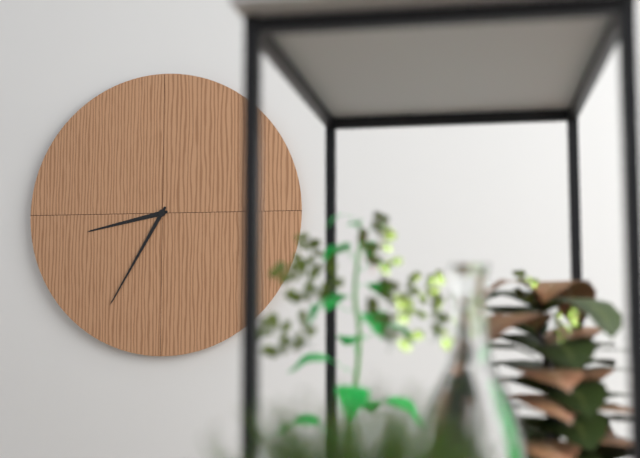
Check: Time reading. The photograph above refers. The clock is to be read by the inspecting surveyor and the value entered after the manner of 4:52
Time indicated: 8:35
